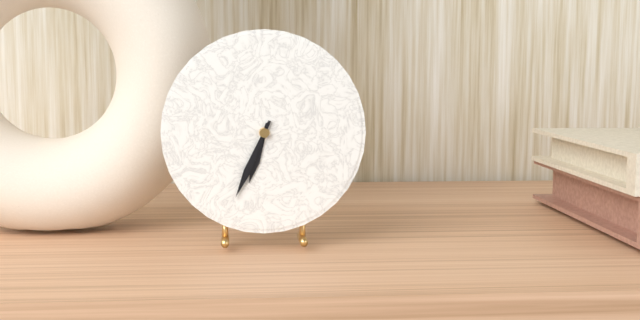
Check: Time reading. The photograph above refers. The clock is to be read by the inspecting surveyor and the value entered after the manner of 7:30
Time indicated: 6:34
